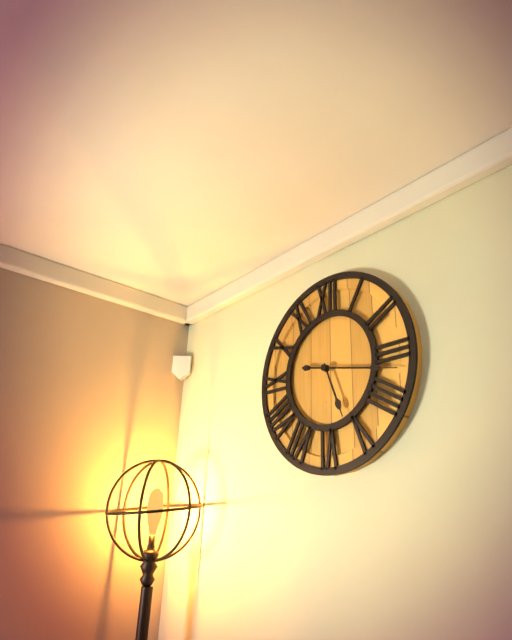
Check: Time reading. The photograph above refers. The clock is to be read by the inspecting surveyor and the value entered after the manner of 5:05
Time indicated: 5:17
